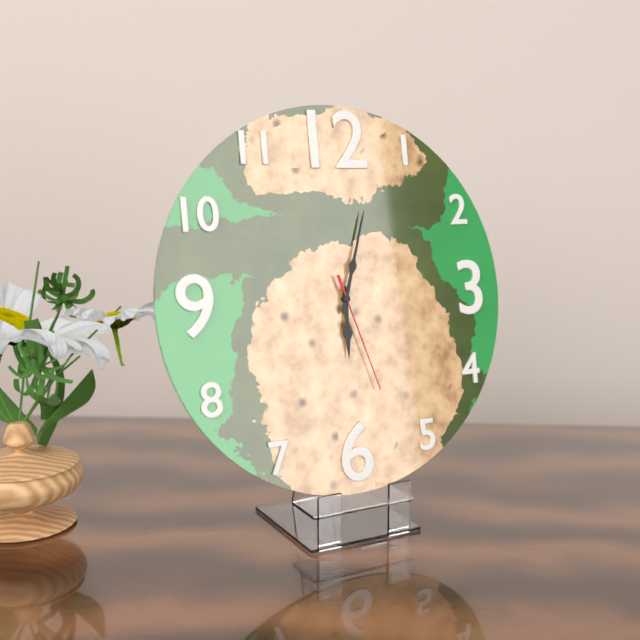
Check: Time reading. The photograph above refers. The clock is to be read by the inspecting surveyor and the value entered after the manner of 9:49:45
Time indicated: 6:03:27
